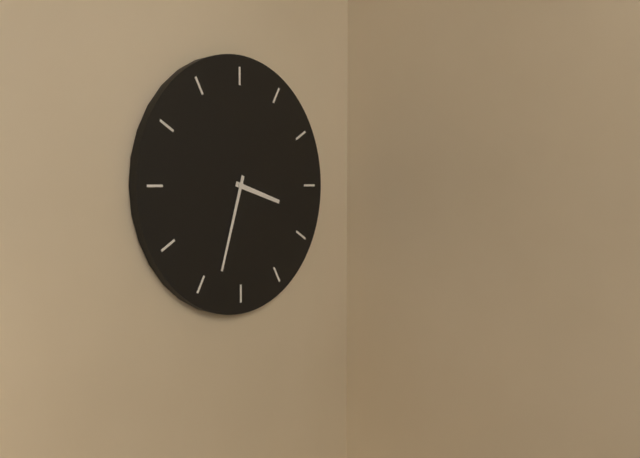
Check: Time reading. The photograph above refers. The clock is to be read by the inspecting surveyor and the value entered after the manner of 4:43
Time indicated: 3:33
